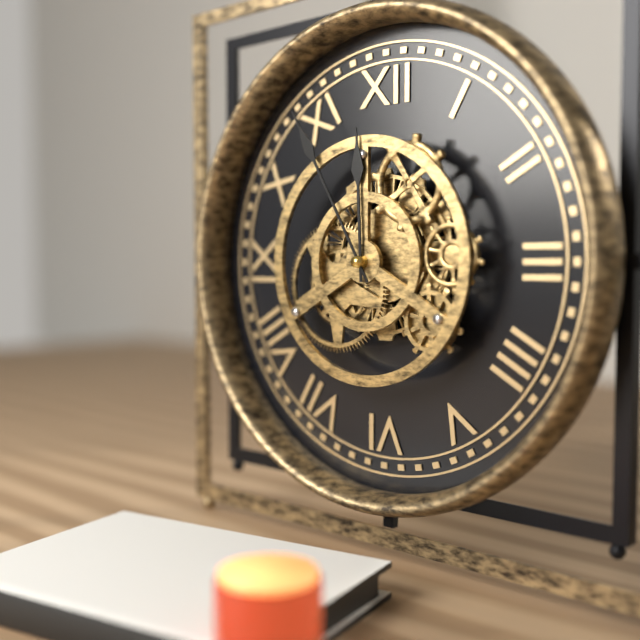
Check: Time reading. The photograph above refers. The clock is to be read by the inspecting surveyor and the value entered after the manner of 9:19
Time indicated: 11:55
